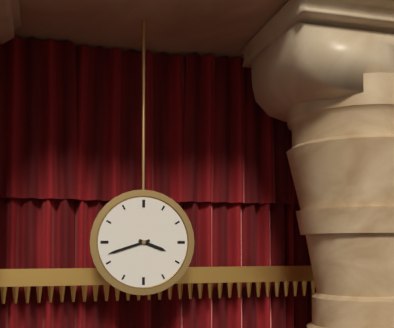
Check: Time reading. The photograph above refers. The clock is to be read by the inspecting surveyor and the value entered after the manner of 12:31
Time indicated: 3:42
